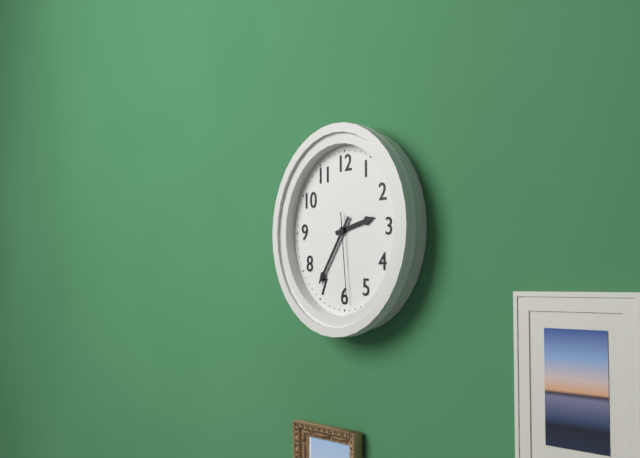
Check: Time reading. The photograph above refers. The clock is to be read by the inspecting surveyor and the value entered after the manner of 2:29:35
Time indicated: 2:36:29
